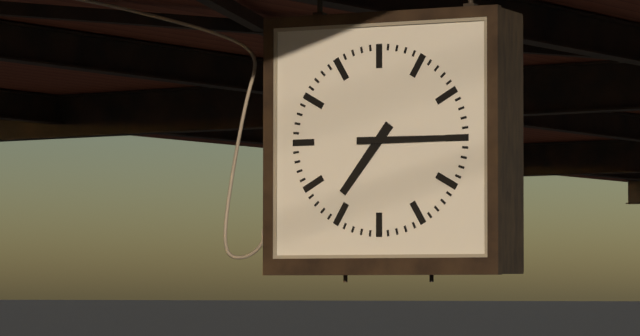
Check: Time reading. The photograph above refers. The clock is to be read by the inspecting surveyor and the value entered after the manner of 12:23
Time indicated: 7:15
